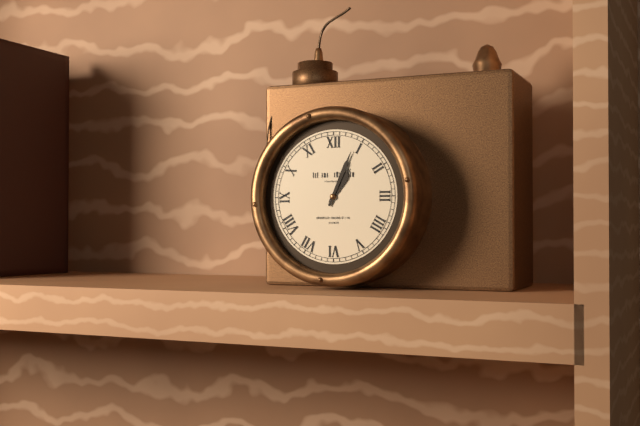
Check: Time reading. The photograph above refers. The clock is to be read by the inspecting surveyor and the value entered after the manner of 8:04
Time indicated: 1:04
